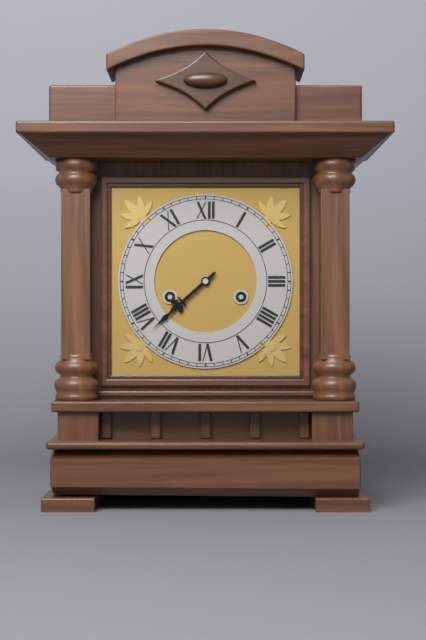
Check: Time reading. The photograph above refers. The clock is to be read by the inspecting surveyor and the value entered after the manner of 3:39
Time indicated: 7:38
